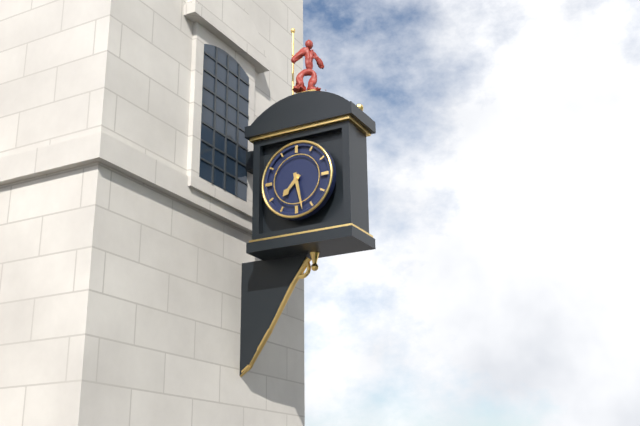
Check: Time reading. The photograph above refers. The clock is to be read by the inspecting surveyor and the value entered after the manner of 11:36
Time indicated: 7:28
